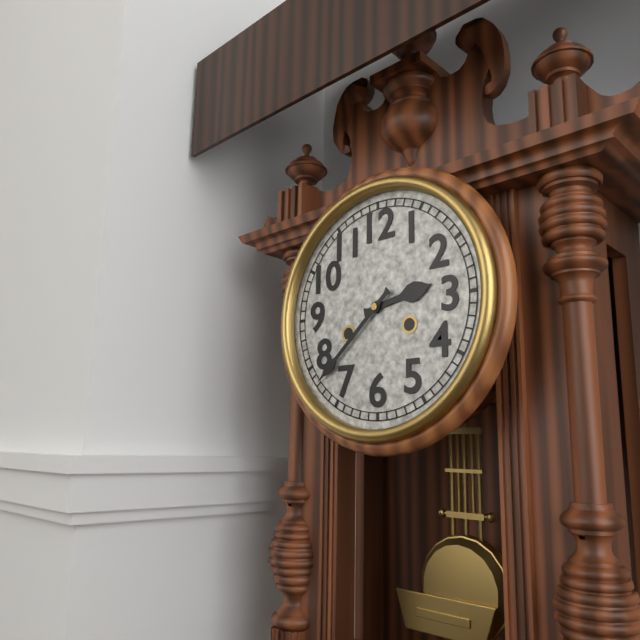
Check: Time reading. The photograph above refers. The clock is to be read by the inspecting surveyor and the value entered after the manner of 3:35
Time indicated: 2:38
